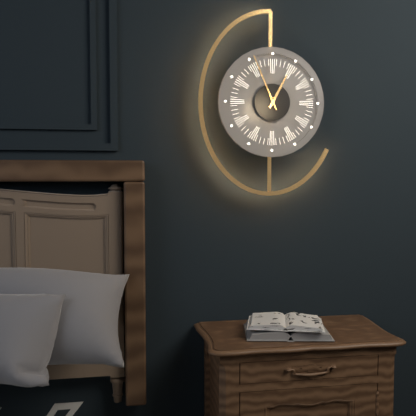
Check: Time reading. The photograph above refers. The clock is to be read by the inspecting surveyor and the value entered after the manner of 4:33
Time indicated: 12:56
